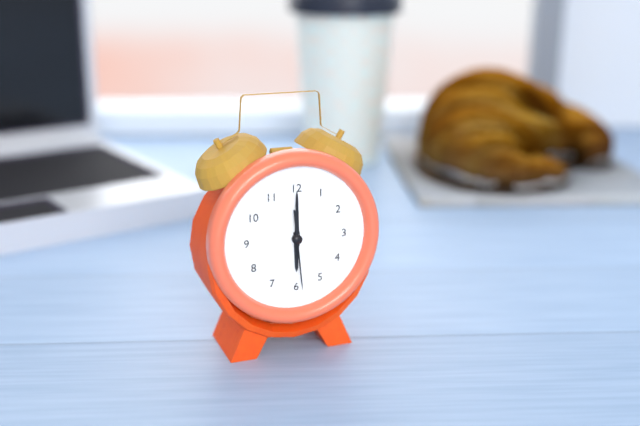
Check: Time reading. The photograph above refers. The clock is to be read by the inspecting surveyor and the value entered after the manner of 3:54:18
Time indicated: 6:00:29
